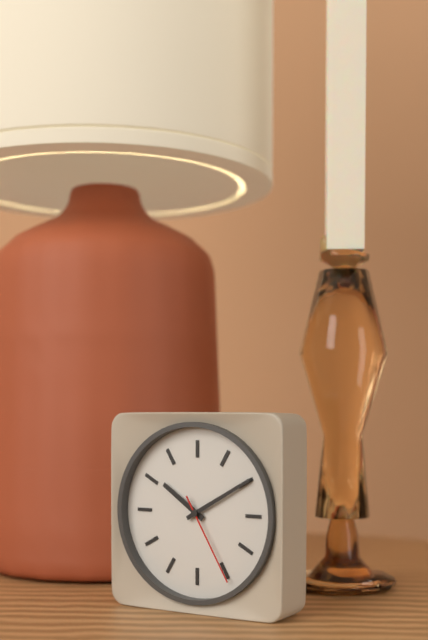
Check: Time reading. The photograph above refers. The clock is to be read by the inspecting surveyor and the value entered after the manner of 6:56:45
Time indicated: 10:10:25
